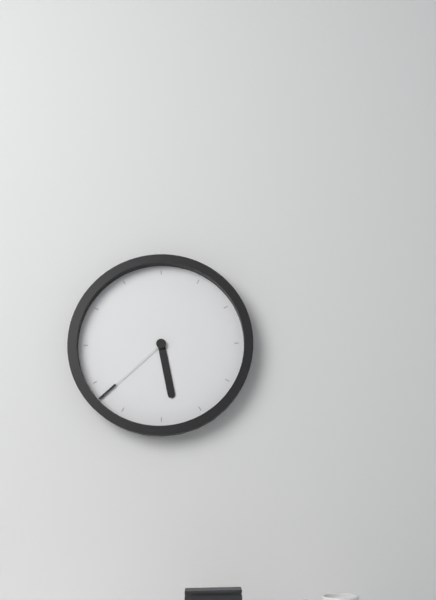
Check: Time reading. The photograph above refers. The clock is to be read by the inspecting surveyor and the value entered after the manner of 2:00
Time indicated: 5:38
